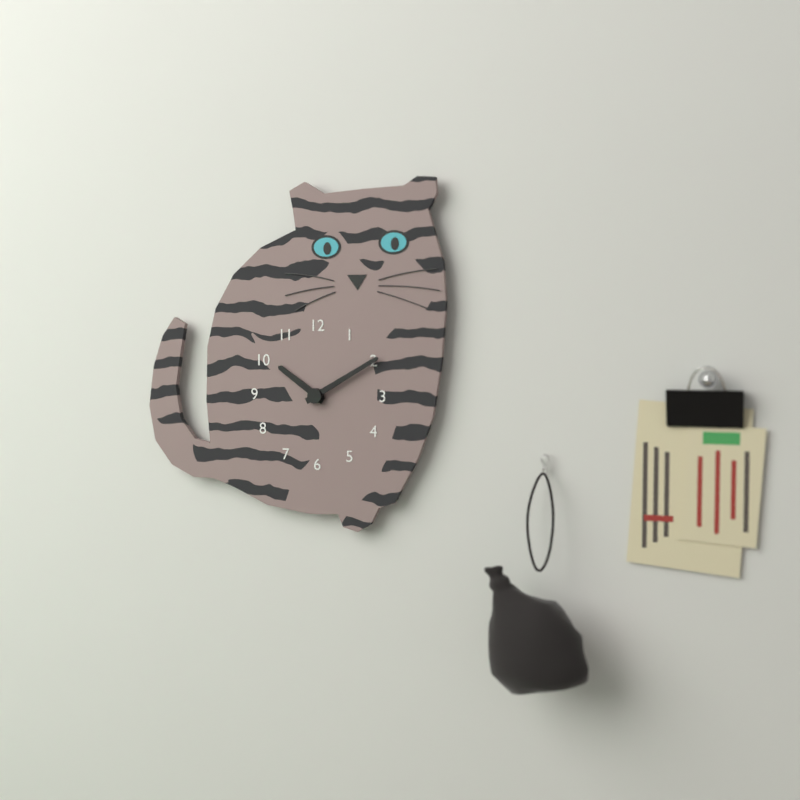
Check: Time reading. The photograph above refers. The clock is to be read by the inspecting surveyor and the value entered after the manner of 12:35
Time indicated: 10:10
